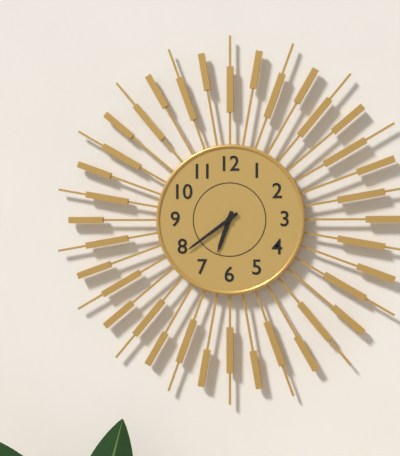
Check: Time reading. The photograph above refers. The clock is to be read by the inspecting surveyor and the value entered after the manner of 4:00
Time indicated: 6:39
